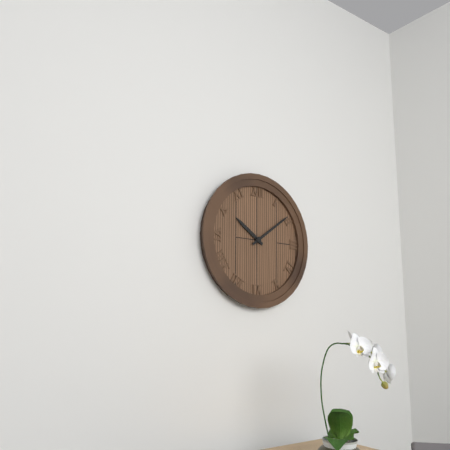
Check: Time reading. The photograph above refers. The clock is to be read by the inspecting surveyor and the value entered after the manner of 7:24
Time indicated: 10:09
